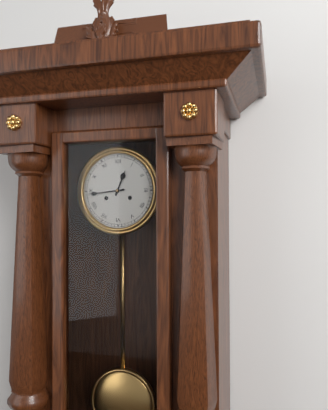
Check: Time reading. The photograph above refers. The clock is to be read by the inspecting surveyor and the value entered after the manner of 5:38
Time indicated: 12:44
